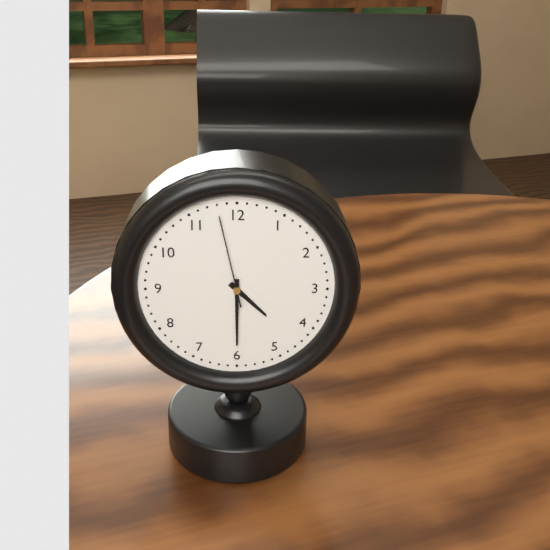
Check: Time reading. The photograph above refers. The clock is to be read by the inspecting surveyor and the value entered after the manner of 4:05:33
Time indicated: 4:30:58
